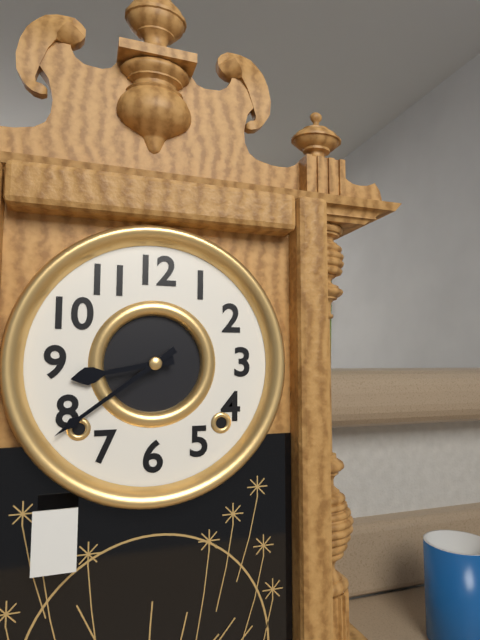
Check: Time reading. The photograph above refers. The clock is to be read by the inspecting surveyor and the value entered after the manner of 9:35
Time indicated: 8:39
